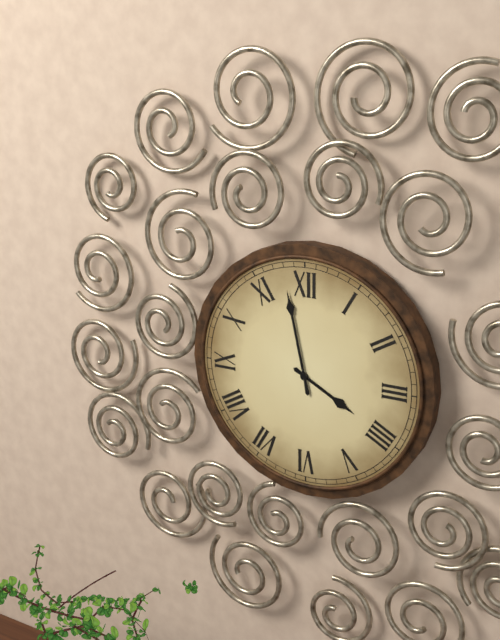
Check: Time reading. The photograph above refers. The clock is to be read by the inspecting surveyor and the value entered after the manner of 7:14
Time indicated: 3:58
